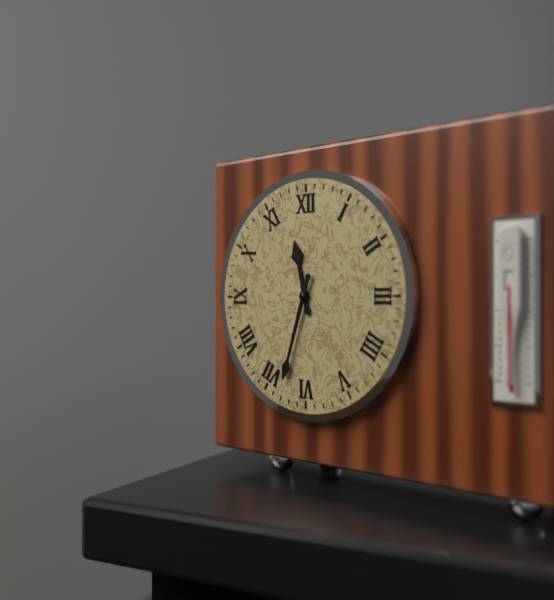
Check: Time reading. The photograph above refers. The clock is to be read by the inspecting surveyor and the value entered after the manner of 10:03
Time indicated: 11:33
